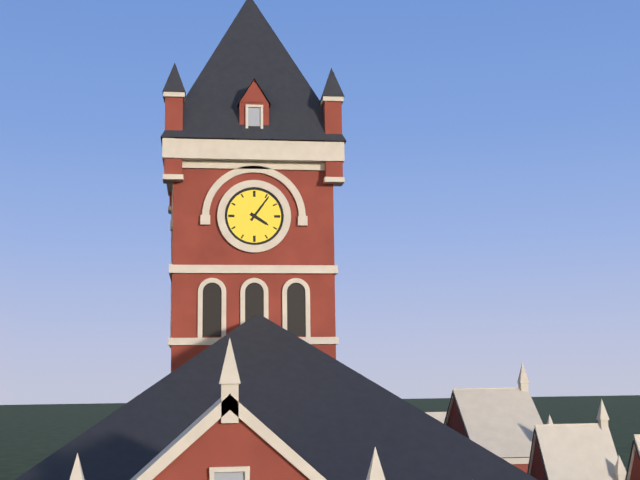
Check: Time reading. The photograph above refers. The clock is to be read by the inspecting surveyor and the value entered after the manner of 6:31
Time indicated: 4:06
